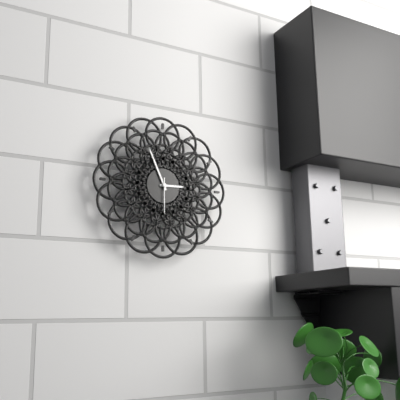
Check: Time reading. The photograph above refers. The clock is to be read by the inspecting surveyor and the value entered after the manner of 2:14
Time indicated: 2:56
